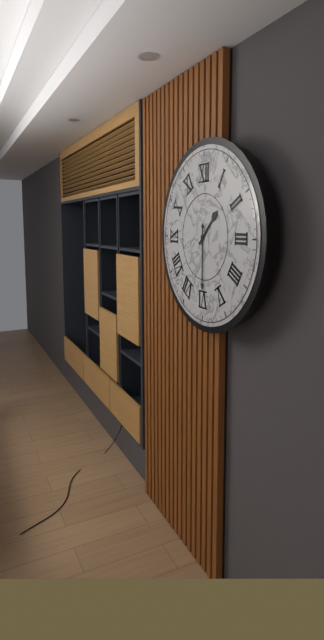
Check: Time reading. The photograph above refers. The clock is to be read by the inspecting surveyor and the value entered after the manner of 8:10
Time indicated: 1:30
